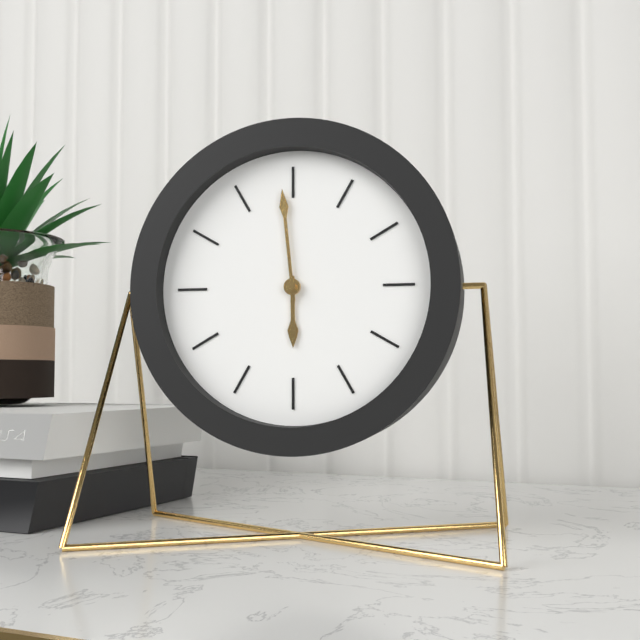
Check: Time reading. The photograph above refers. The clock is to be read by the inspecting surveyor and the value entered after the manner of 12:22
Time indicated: 5:59
